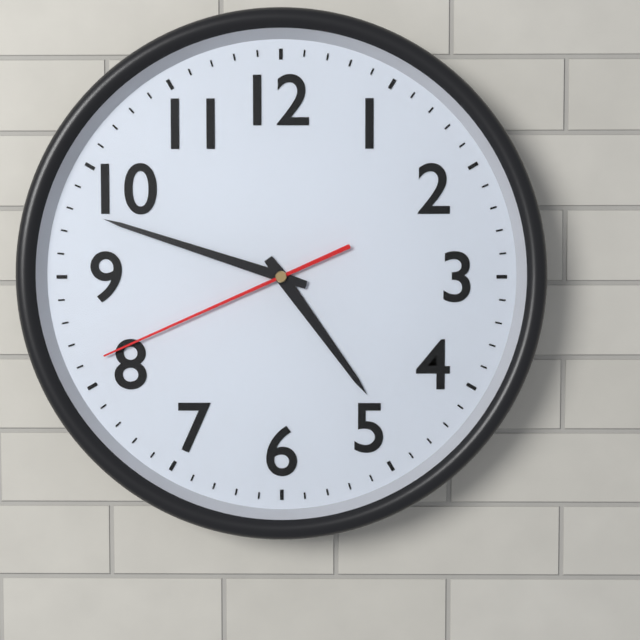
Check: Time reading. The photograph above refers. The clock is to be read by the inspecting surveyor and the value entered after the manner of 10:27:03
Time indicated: 4:48:41
